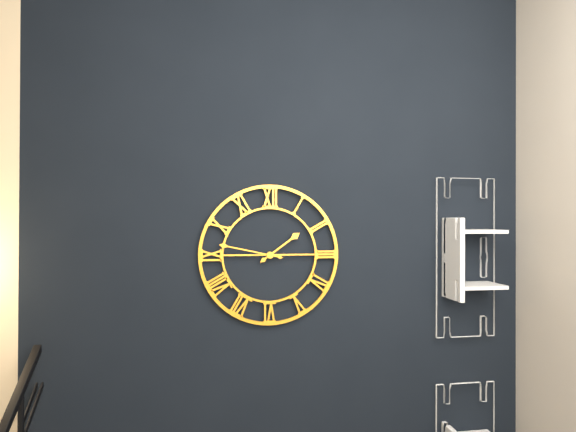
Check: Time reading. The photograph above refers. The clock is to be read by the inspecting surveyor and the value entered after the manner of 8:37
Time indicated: 1:47
